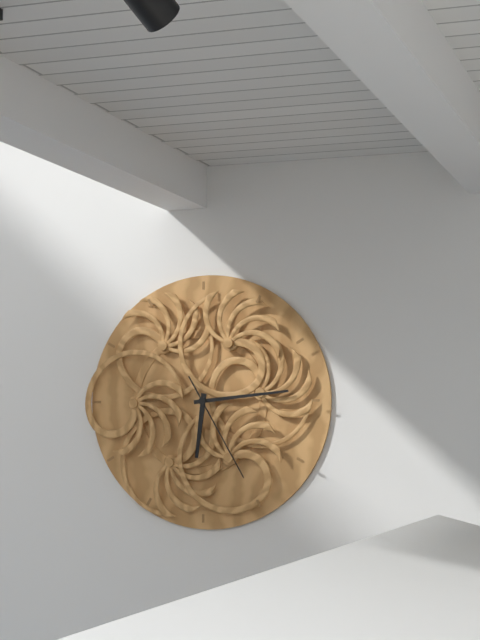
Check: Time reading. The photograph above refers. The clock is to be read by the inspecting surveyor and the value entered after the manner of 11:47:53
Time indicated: 6:14:25
